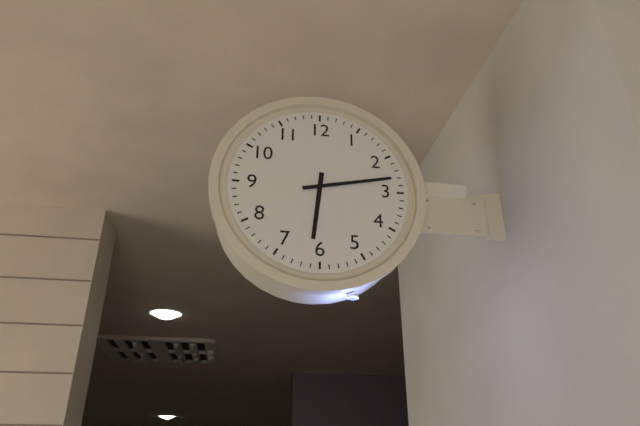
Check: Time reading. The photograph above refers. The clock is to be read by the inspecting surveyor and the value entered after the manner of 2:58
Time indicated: 6:13
